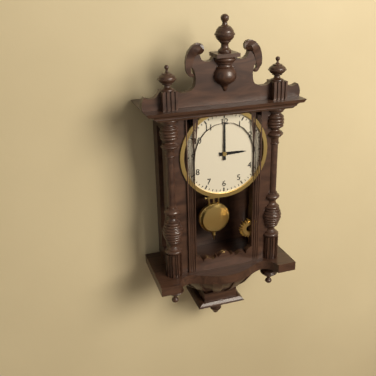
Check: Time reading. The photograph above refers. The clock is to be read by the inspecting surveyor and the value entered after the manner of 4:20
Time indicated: 3:00
